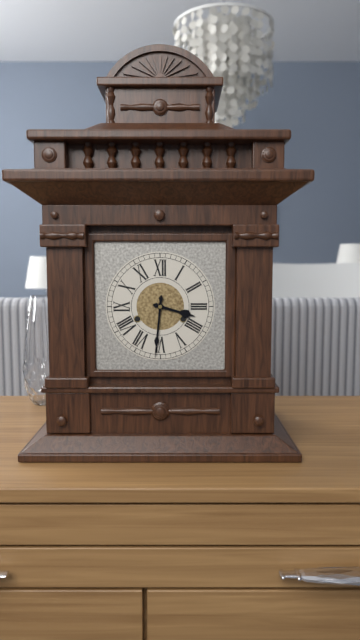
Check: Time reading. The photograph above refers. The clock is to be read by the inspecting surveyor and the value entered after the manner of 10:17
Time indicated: 3:31
